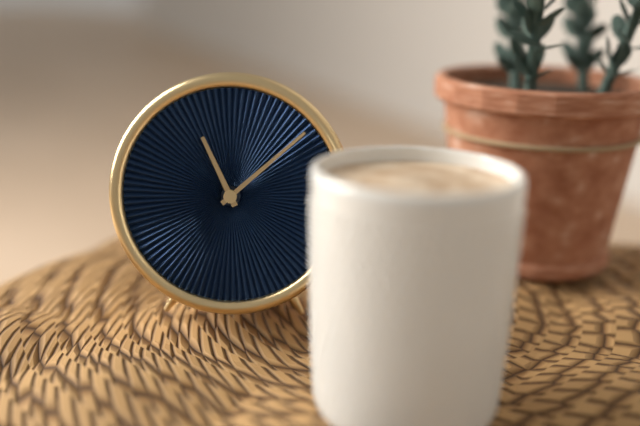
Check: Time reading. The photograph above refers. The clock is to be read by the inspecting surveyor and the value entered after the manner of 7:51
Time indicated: 11:08
